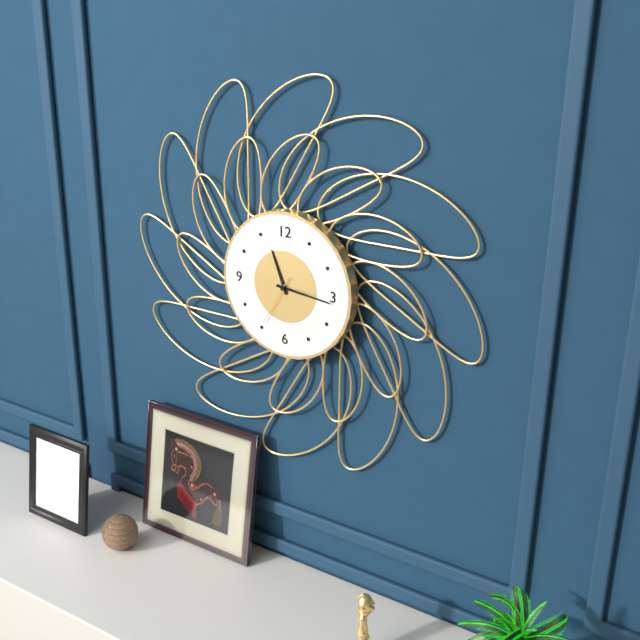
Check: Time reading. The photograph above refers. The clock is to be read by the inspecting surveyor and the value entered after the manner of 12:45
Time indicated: 11:16
